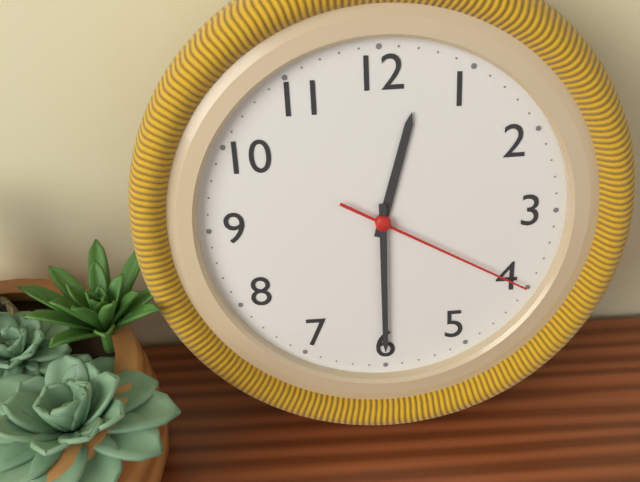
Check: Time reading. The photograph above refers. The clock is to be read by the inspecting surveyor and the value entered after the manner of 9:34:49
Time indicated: 12:30:20
